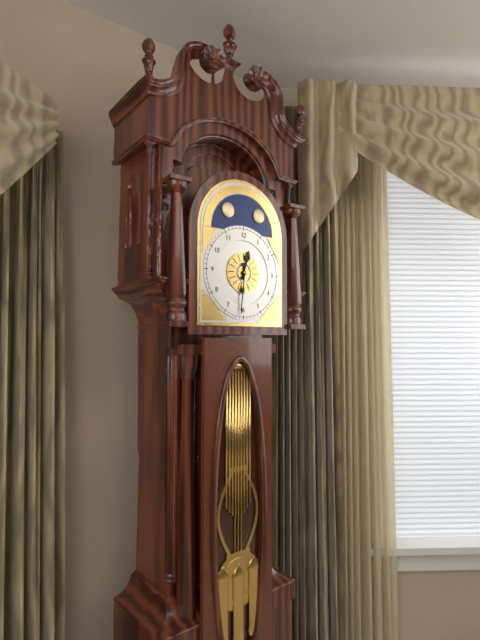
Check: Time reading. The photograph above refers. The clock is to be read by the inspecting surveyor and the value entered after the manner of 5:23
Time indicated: 12:31
